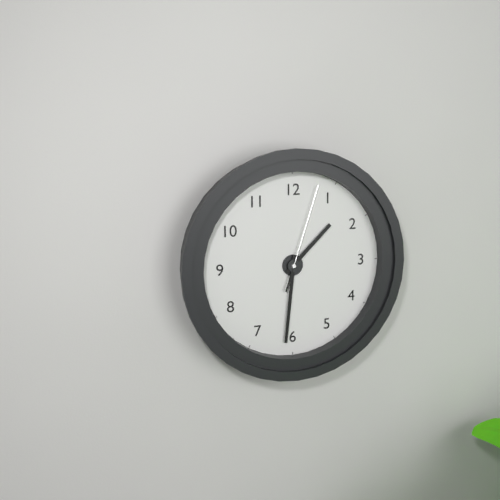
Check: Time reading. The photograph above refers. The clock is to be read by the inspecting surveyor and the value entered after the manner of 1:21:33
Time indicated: 1:31:03
